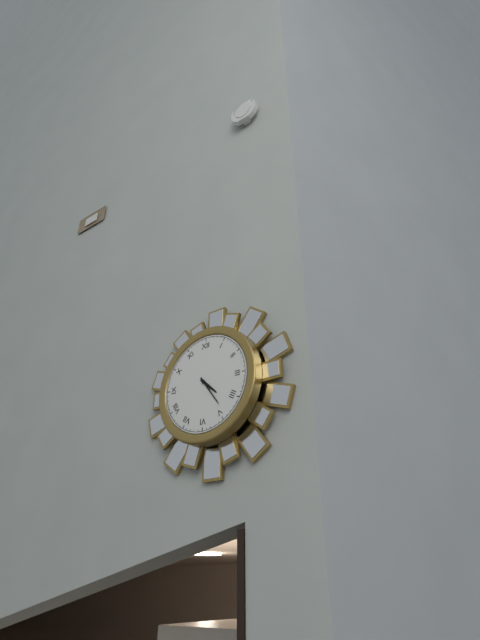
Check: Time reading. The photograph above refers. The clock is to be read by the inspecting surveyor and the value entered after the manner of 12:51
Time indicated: 4:24
